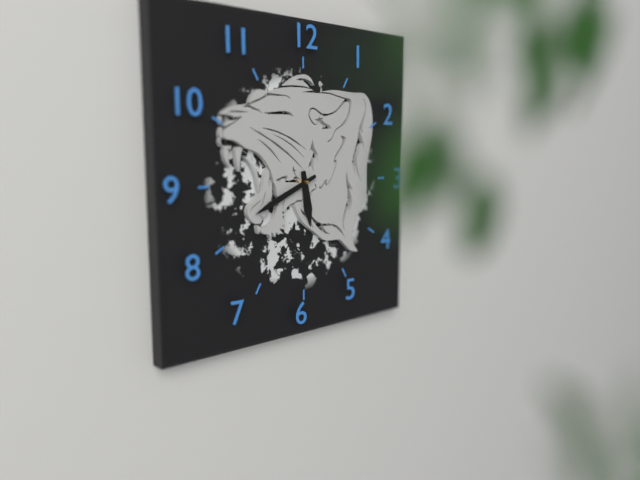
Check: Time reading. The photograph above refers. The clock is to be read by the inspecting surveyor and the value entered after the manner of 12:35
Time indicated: 5:41
